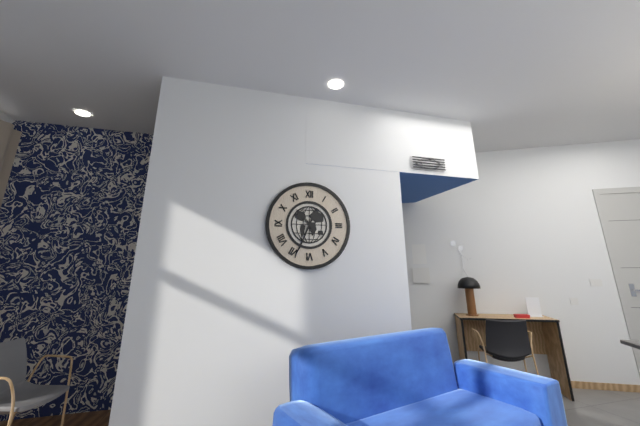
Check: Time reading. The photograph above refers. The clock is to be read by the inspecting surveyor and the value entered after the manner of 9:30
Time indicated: 10:34
